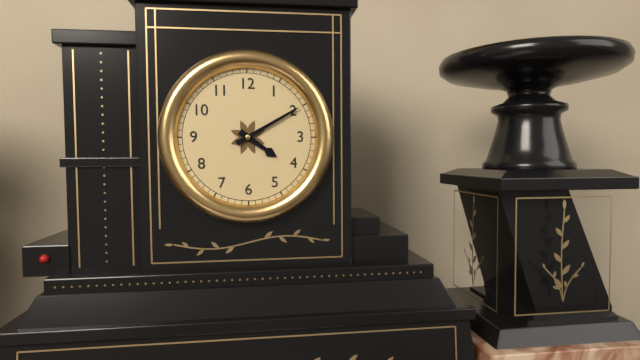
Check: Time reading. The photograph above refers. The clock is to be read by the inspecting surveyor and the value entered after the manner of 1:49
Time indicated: 4:10
